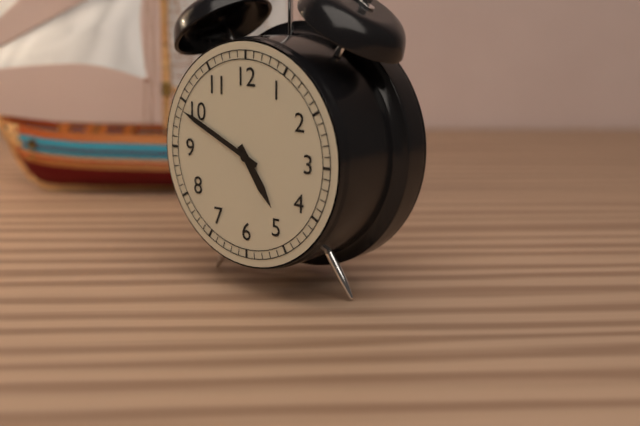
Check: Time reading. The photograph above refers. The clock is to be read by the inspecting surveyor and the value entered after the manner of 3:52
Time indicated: 4:49
